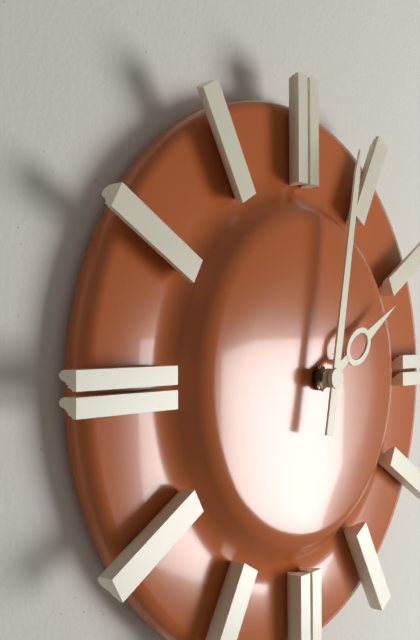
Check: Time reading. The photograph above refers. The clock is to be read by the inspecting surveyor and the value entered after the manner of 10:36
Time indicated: 2:02
